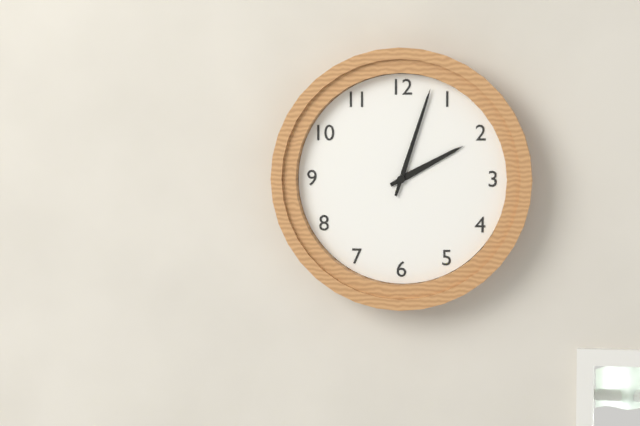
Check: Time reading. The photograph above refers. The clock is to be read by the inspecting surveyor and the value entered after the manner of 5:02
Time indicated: 2:03
